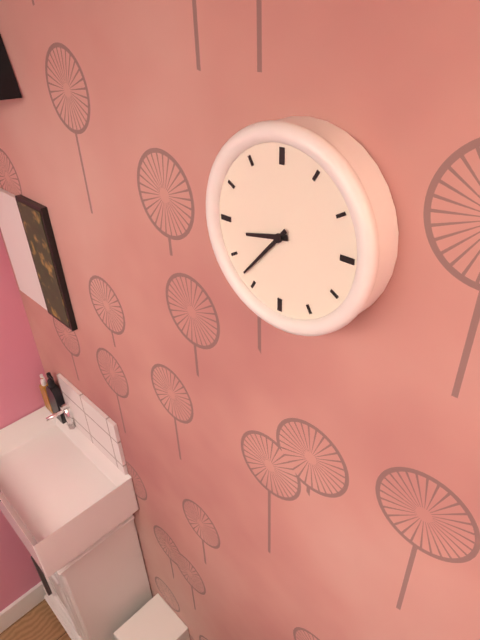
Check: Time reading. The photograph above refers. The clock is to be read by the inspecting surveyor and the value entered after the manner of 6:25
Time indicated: 8:37
